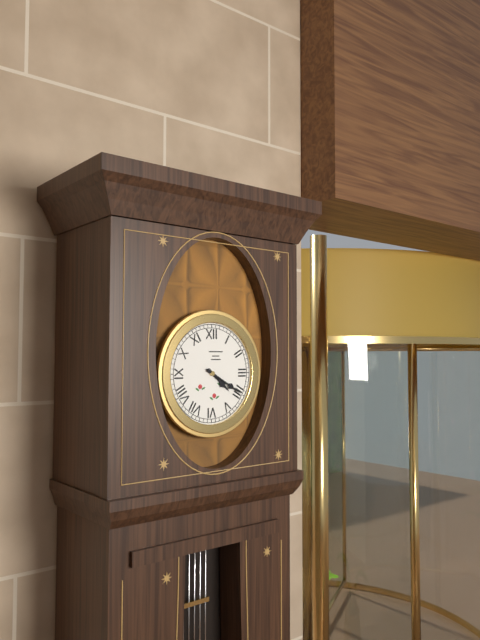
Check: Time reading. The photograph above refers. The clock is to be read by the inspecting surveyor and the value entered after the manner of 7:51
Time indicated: 4:20
